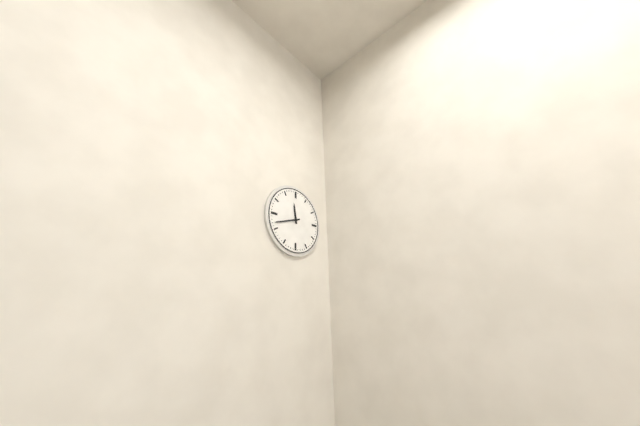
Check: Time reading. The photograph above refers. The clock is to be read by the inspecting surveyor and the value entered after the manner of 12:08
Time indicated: 11:42
